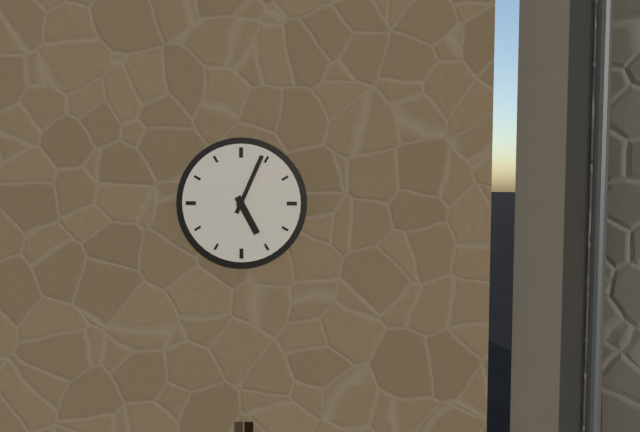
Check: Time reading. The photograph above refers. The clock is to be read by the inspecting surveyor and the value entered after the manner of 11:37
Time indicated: 5:04
